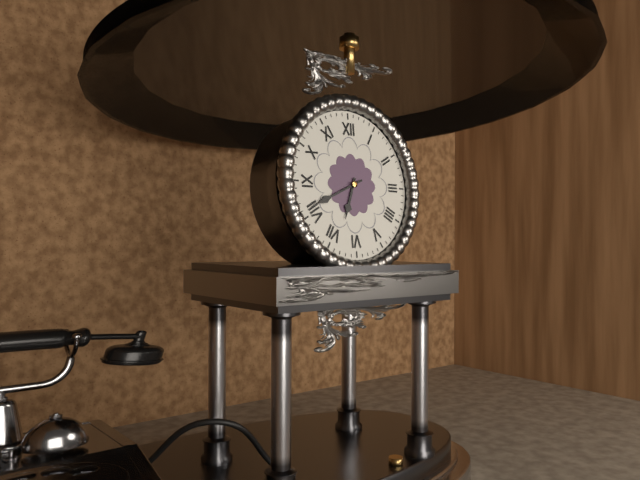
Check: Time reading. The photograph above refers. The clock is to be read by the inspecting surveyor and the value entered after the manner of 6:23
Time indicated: 6:41
